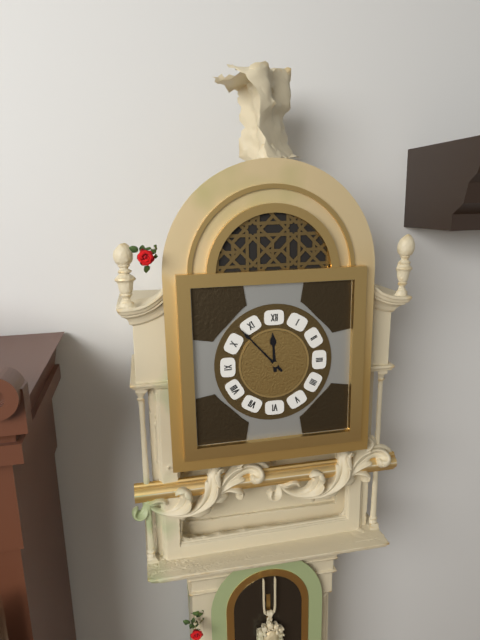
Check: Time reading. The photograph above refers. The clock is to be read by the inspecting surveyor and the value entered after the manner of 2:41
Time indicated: 11:53
